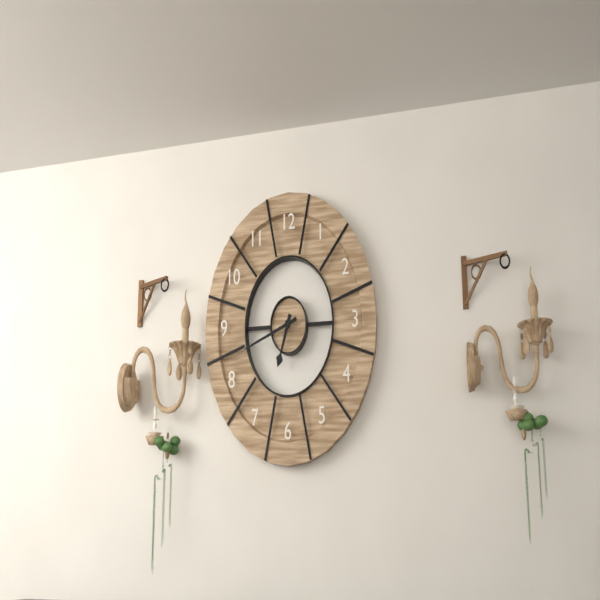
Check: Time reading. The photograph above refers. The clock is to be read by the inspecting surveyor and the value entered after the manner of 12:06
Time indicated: 6:42
